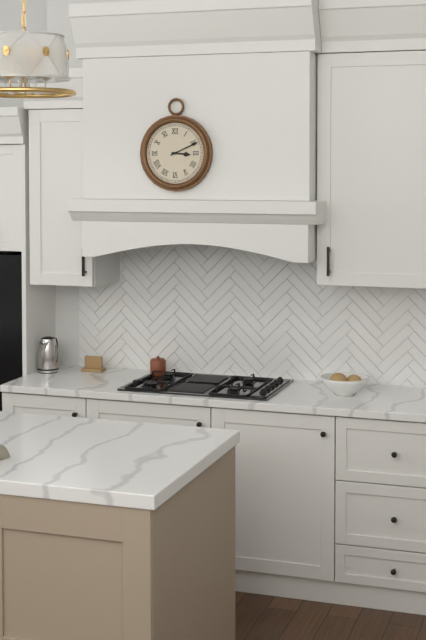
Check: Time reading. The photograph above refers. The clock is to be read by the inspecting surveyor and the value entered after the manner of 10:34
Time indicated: 3:11
